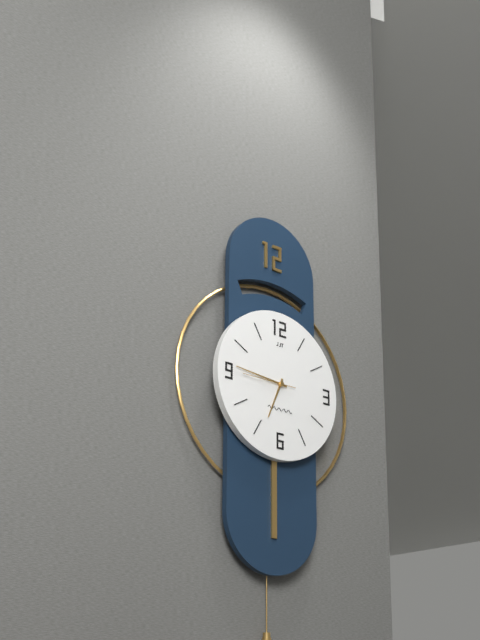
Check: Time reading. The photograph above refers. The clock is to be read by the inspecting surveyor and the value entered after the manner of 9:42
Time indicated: 6:46
